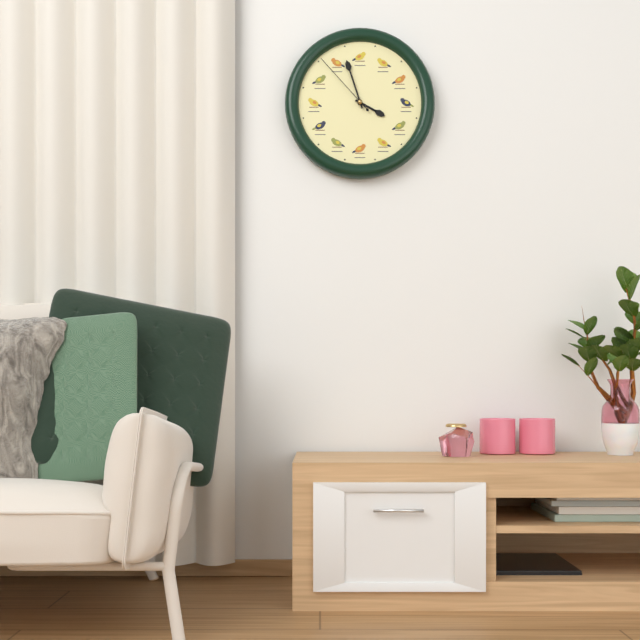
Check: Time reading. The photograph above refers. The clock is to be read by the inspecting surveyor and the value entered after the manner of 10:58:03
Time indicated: 3:57:53
